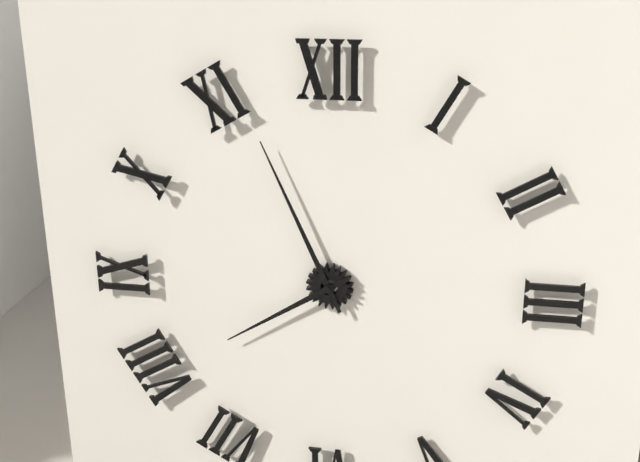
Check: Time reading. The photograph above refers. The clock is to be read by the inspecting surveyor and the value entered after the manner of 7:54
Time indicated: 7:56
